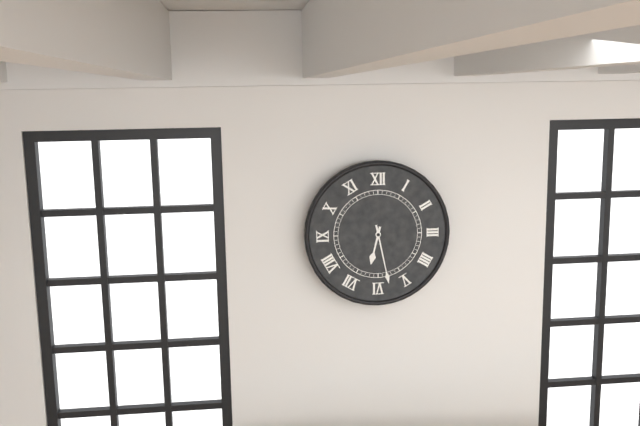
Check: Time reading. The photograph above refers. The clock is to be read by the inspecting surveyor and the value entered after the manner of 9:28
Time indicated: 6:28
